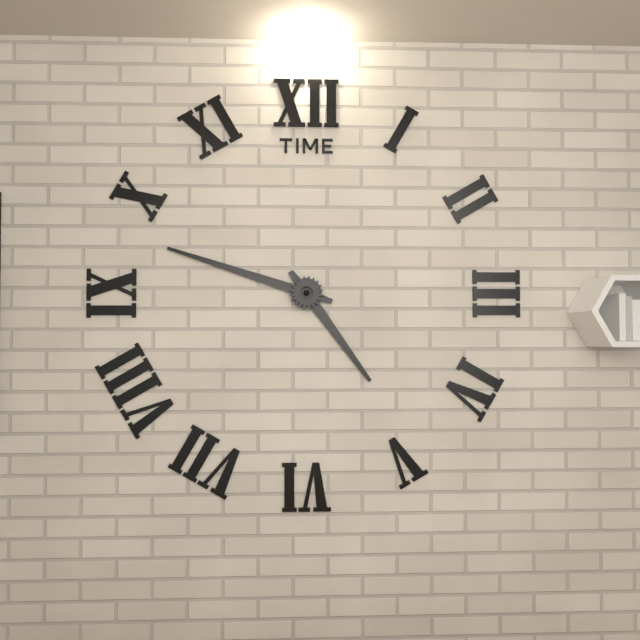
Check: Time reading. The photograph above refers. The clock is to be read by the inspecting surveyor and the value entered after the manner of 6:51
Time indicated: 4:48
